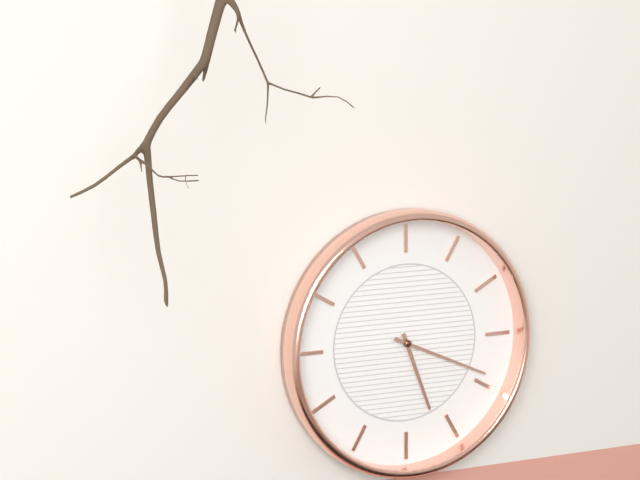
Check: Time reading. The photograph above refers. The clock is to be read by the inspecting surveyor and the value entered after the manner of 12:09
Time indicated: 5:19
